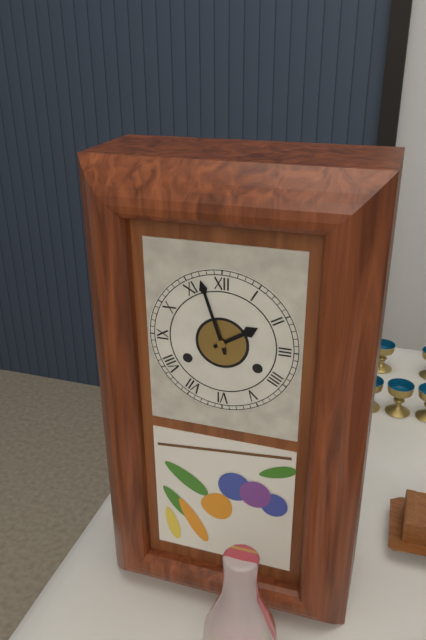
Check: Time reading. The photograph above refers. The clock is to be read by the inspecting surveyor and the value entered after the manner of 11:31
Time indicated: 1:57
